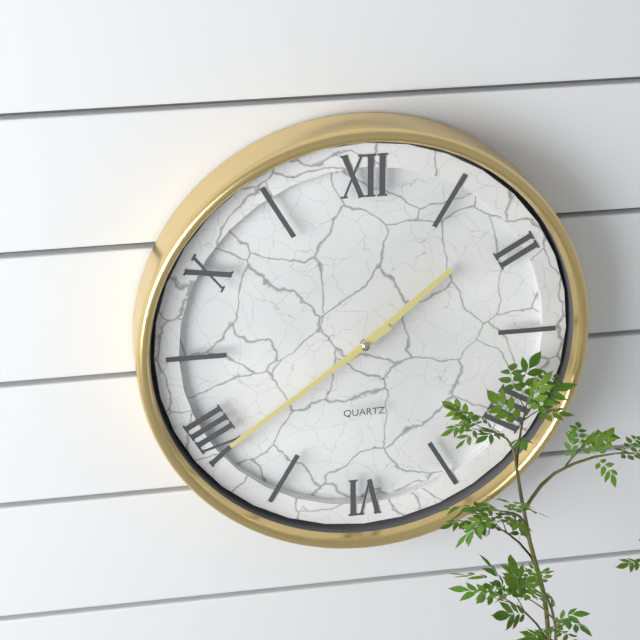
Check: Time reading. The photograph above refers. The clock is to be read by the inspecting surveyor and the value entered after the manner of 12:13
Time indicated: 1:39
